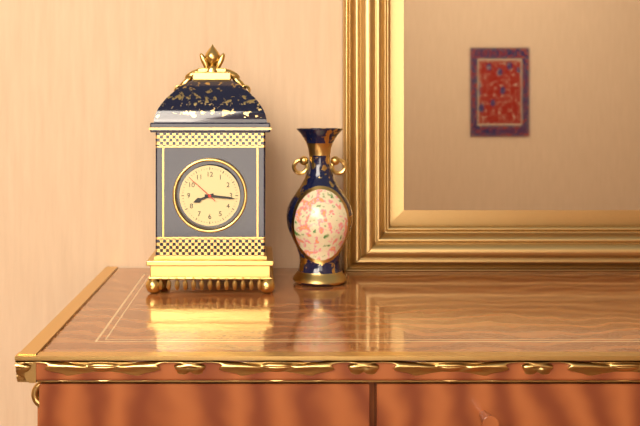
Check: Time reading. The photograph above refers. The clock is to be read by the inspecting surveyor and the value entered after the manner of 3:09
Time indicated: 8:16
